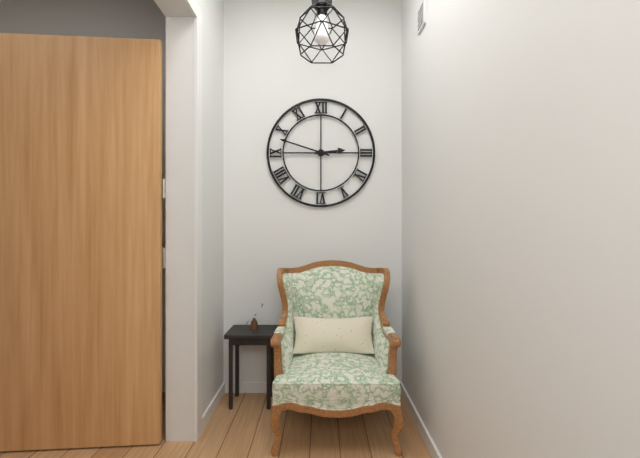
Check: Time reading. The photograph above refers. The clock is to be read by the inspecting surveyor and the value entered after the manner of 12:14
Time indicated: 2:48
